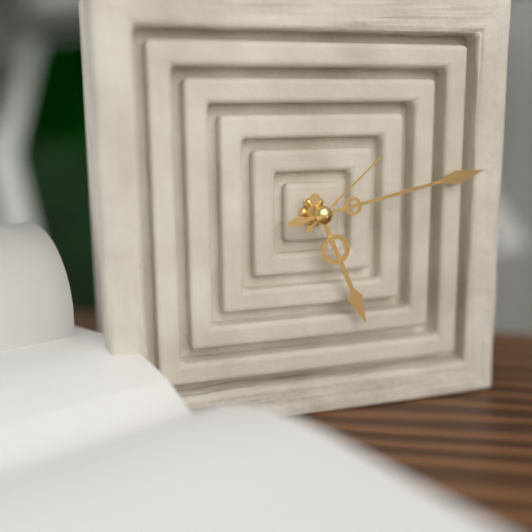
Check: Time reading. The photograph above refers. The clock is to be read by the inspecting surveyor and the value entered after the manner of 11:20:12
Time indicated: 5:13:08
